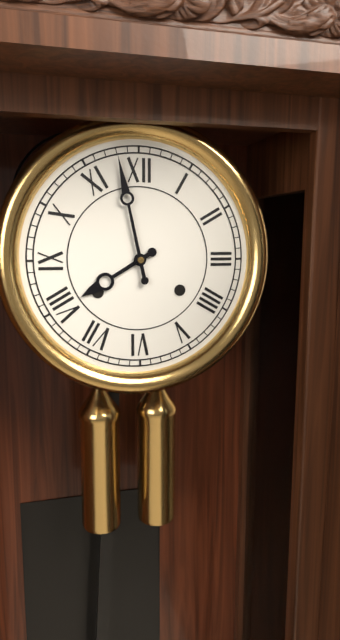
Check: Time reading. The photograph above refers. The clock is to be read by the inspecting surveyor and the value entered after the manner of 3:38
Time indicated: 7:58
